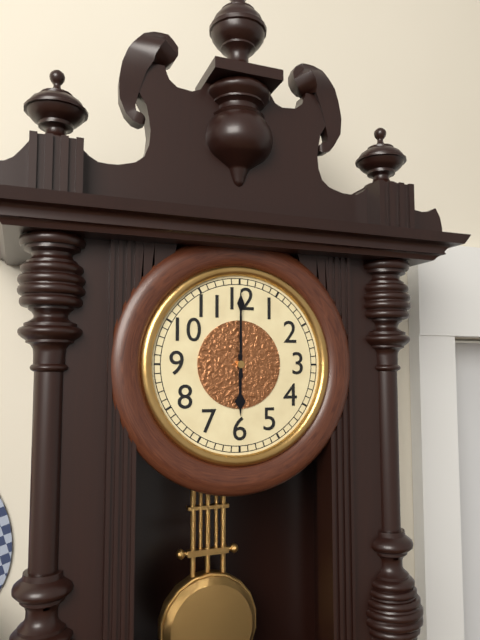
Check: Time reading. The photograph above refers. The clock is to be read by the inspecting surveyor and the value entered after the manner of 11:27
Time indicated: 6:00
